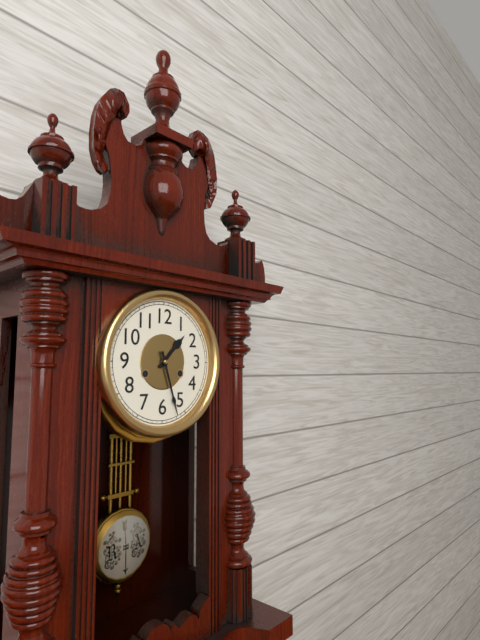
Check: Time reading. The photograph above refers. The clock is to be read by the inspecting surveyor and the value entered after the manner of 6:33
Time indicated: 1:27
